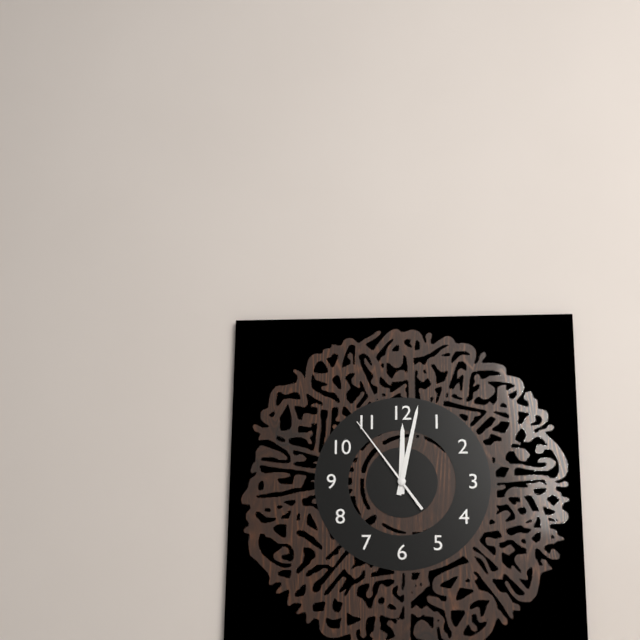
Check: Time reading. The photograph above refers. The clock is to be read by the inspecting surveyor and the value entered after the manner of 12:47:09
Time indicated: 12:02:54
